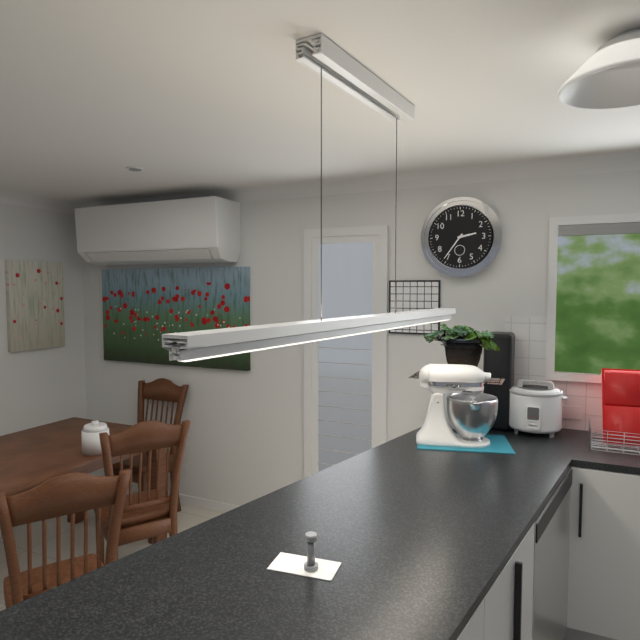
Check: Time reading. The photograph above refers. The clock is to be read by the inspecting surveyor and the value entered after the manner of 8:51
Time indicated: 2:36
